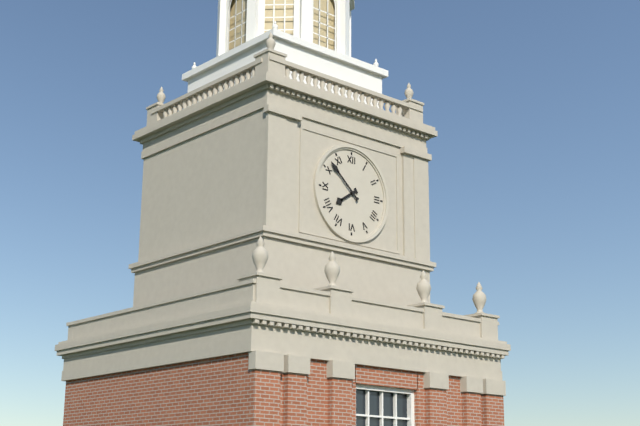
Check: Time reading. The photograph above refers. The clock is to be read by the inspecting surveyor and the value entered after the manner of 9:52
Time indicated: 7:52
